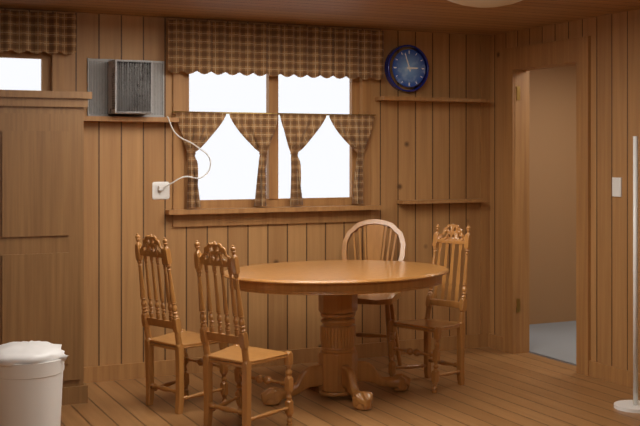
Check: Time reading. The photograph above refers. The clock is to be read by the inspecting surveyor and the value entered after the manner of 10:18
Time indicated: 2:57
